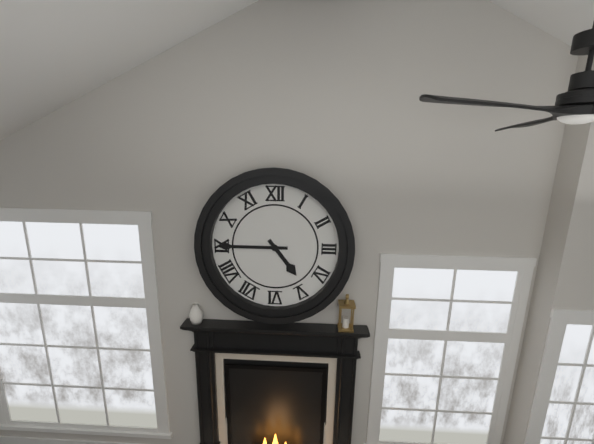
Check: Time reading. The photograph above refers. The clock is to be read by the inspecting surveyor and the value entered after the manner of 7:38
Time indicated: 4:45
